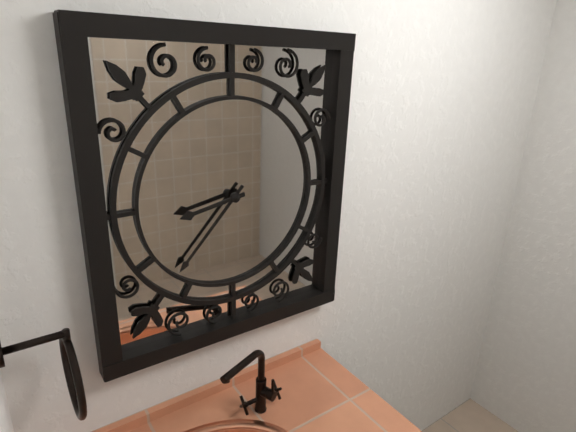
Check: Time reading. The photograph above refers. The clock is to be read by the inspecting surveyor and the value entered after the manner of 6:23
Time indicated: 8:37
